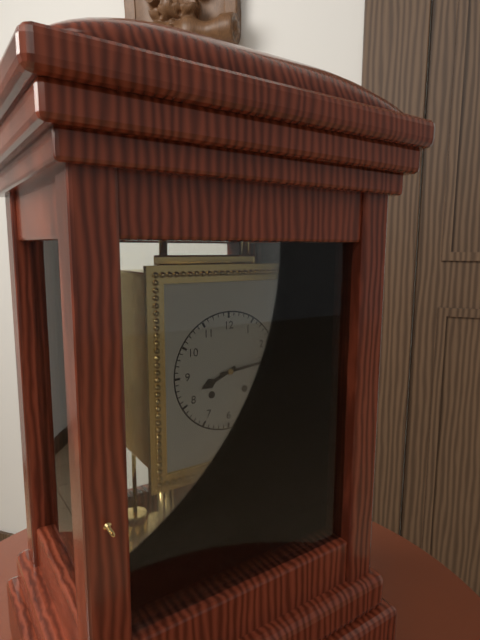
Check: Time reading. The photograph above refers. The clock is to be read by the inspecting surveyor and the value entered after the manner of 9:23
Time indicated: 8:14
